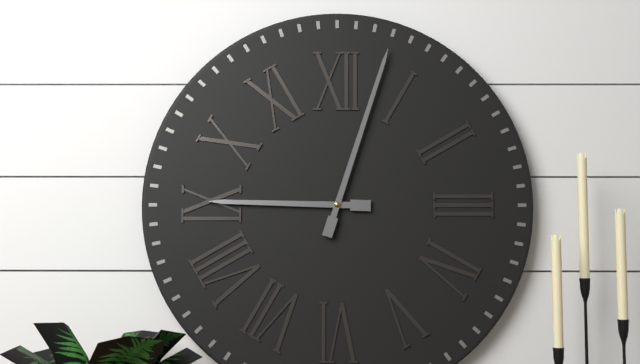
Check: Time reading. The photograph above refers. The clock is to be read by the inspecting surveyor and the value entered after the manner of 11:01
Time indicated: 9:03
